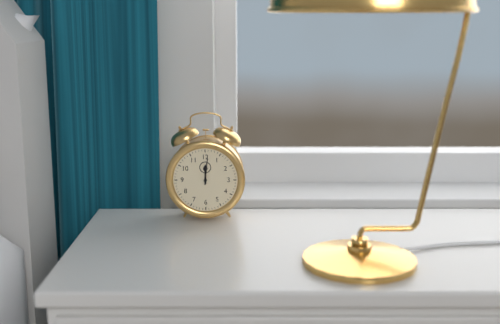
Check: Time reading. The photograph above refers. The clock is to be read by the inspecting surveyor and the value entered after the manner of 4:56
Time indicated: 12:01
